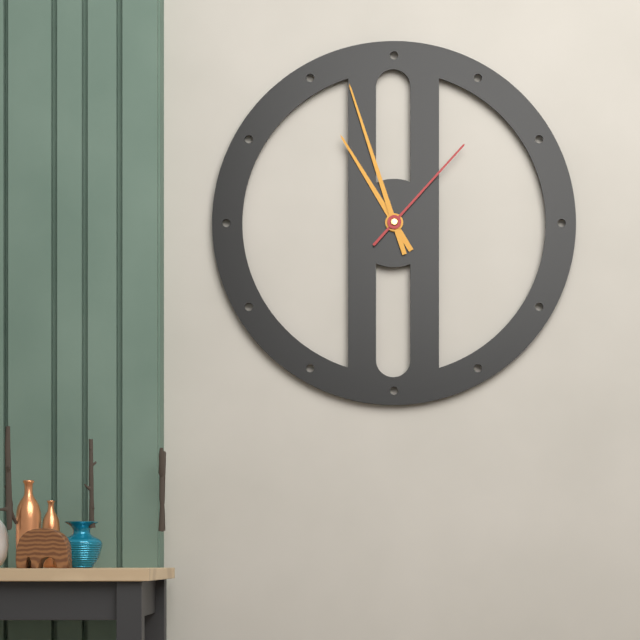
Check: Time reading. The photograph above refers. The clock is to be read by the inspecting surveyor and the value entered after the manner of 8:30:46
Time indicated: 10:57:07
